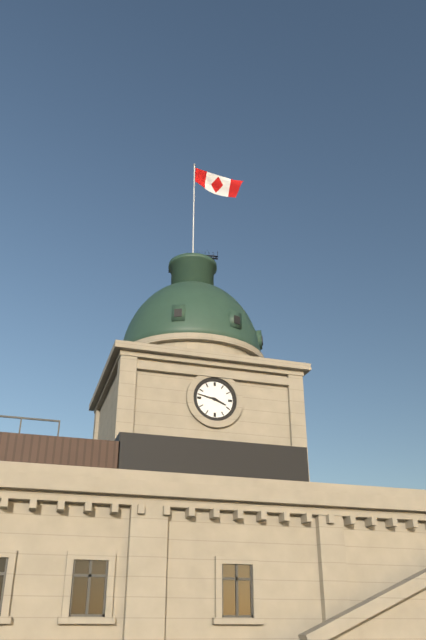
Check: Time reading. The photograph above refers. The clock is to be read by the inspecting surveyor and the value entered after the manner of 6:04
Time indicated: 3:47
